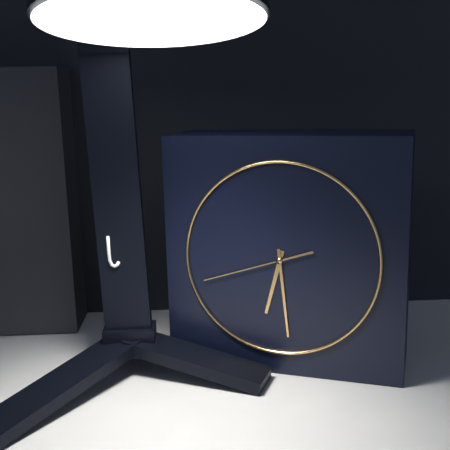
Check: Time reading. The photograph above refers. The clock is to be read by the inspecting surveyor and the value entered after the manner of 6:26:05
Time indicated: 6:29:42
